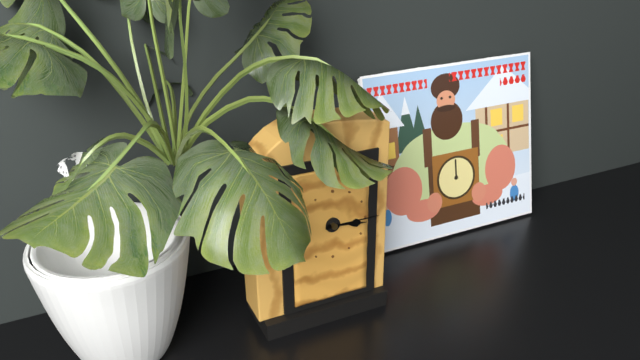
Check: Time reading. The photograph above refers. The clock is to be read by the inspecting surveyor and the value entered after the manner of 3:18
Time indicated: 3:15
